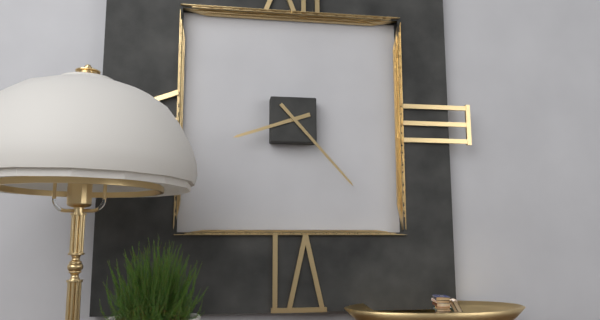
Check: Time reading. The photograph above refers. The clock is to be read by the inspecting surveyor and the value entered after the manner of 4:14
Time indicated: 8:23
